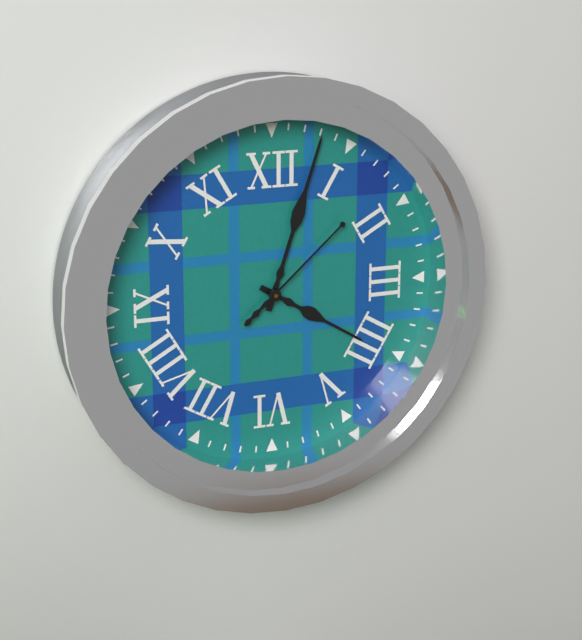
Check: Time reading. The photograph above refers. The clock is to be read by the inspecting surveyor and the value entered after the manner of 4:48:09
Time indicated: 4:03:08
